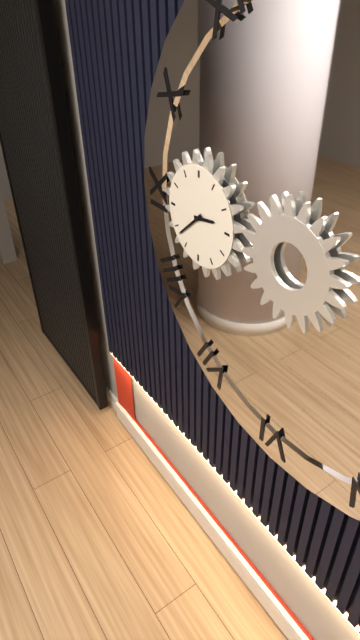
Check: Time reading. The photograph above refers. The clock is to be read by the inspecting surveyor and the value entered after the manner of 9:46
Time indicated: 2:38
